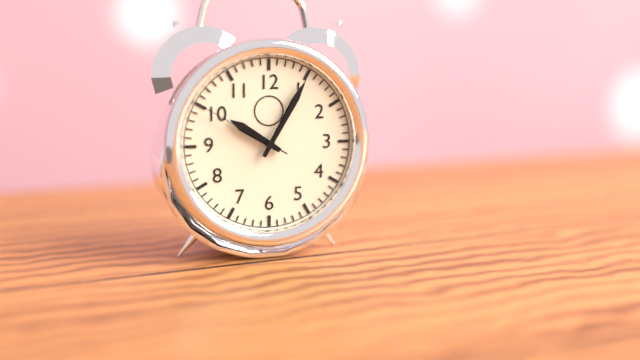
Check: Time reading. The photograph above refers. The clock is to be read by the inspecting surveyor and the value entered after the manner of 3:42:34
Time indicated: 10:05:50
